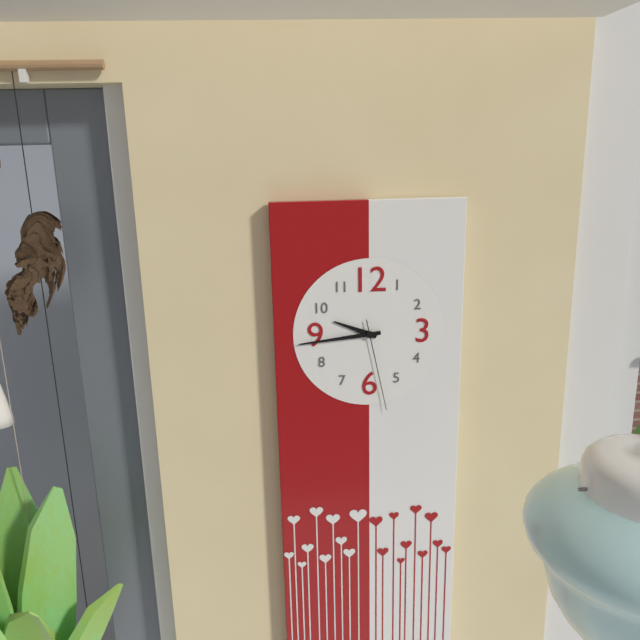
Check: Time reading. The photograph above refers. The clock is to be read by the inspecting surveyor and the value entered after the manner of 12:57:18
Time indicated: 9:44:28
